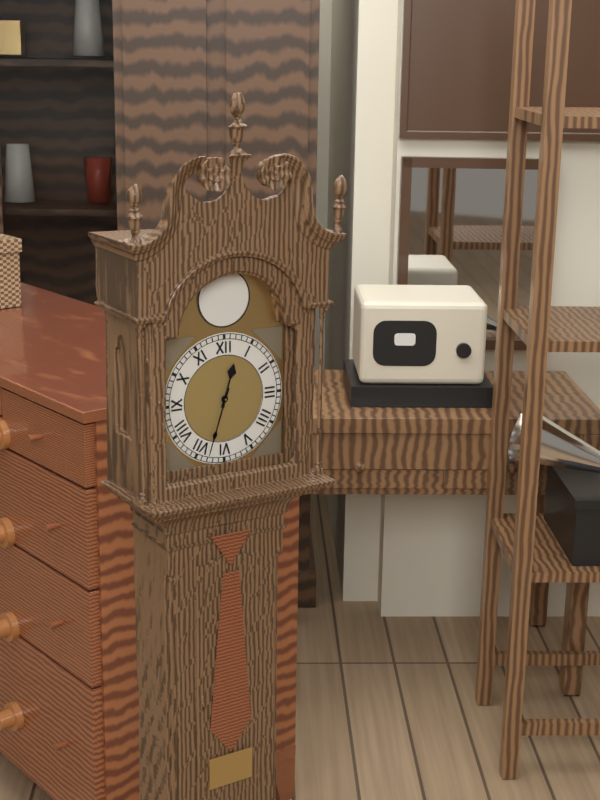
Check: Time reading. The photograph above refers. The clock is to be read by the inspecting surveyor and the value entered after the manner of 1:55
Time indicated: 12:33
